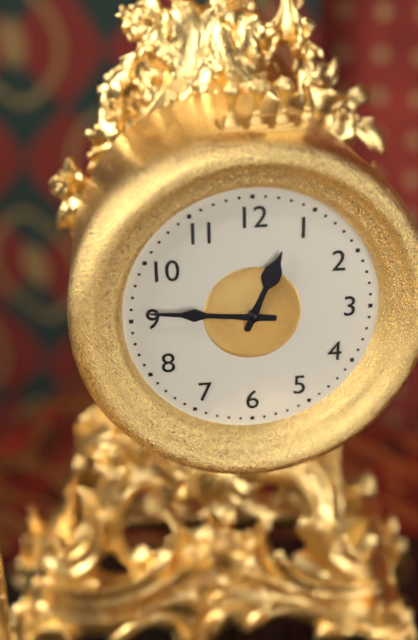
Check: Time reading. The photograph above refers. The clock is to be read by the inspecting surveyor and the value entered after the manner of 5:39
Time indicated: 12:46
